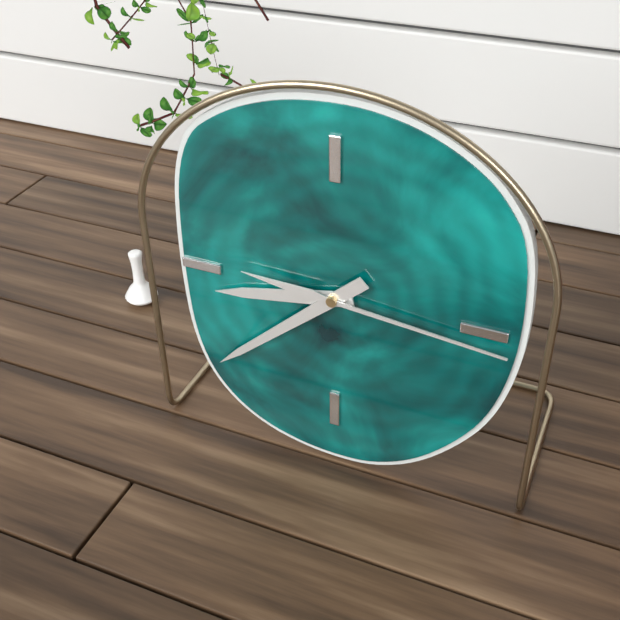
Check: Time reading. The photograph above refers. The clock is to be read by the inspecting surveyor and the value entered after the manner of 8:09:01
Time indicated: 8:38:16
